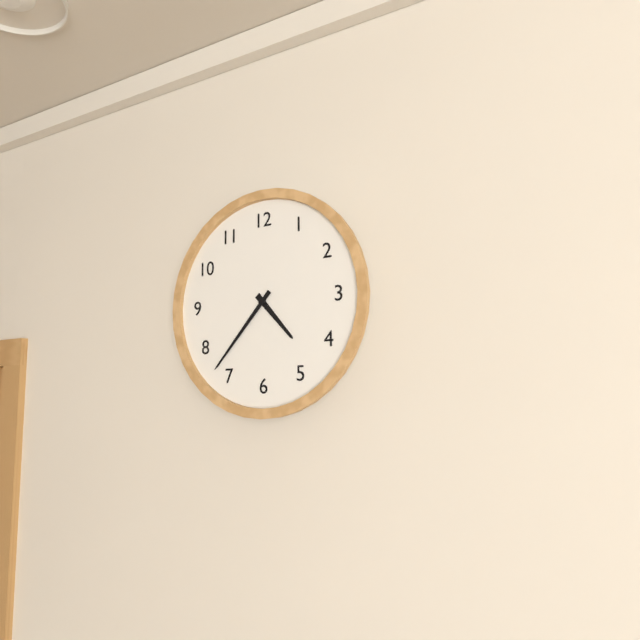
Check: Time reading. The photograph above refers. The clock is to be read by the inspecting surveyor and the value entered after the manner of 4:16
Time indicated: 4:37
